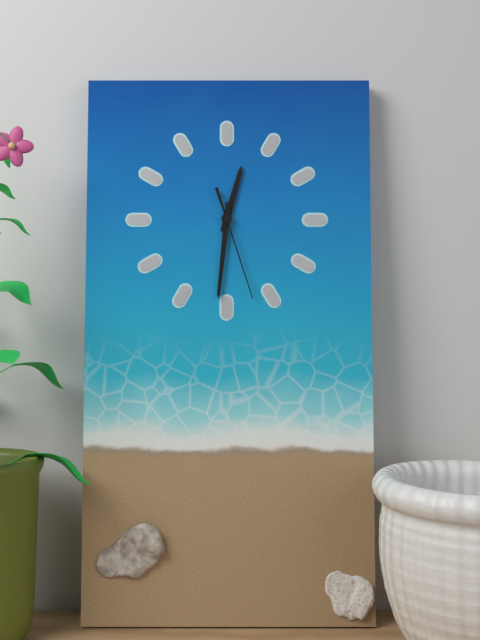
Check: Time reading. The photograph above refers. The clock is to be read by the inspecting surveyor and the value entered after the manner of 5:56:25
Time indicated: 12:31:27
